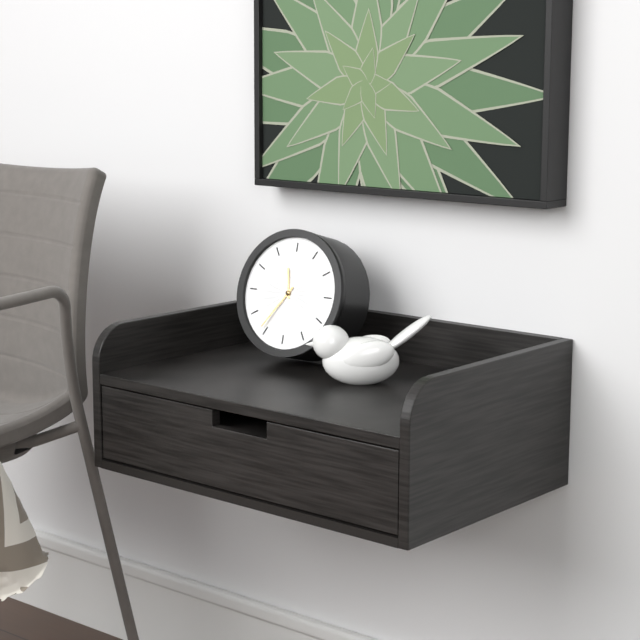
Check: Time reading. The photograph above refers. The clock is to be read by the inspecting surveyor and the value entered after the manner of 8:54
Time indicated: 11:36
